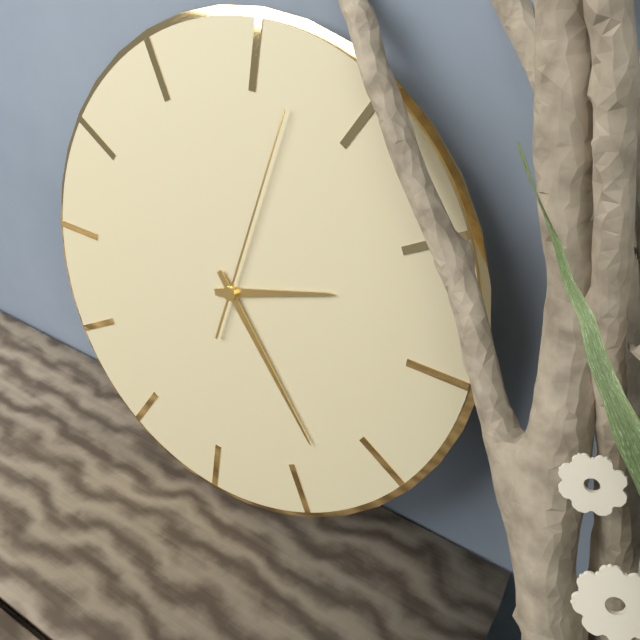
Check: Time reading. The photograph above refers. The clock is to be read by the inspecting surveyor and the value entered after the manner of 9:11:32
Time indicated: 2:23:02
